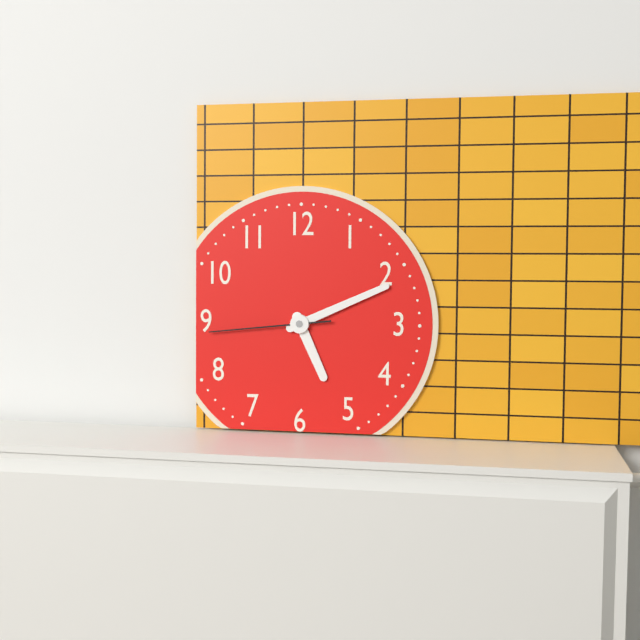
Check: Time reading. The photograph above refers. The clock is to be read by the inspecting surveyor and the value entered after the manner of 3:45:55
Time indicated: 5:11:44
